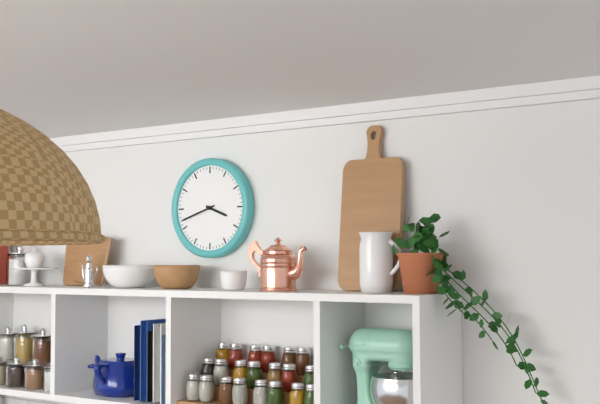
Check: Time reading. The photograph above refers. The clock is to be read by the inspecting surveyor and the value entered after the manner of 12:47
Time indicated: 3:42
